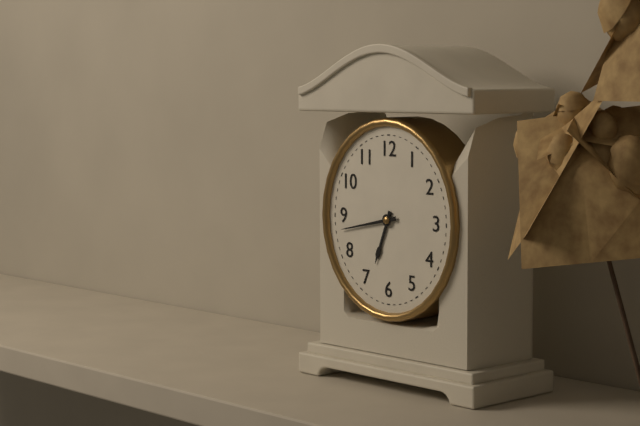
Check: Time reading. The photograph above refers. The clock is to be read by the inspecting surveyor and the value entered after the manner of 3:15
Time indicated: 6:43
